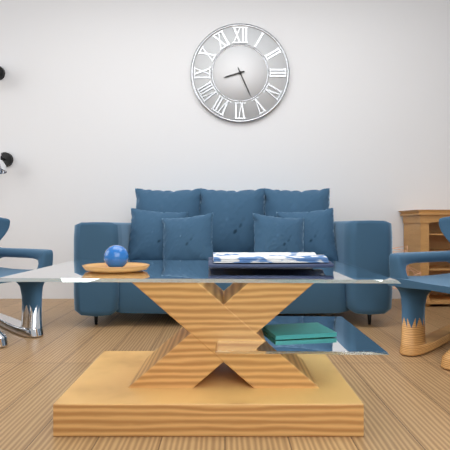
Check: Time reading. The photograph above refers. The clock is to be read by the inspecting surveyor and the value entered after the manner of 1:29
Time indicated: 8:26
